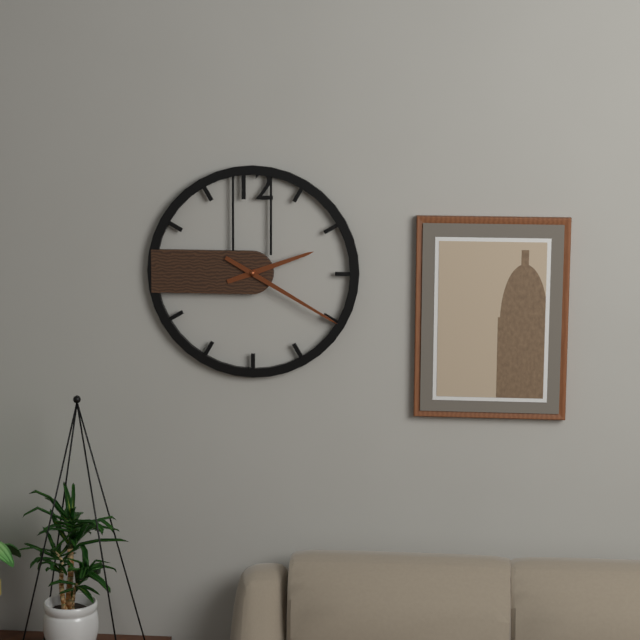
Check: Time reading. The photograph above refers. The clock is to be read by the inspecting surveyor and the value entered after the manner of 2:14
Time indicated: 2:20
